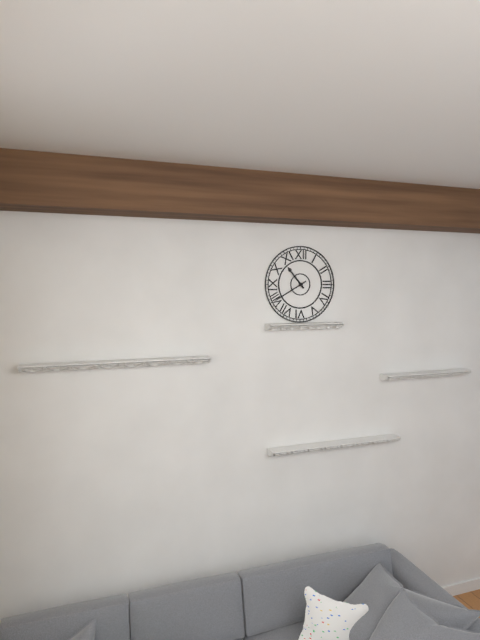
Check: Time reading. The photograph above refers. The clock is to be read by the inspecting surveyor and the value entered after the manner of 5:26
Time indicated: 10:40
